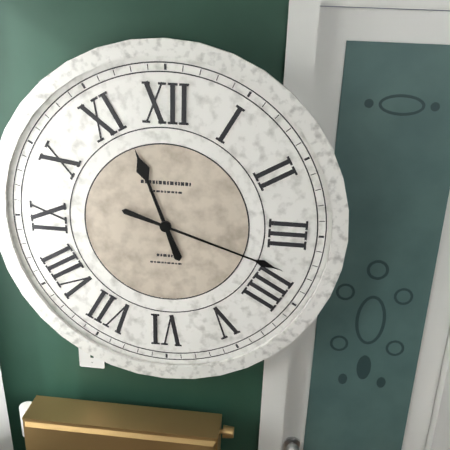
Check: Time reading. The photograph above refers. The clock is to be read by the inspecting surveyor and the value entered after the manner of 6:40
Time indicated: 11:18
